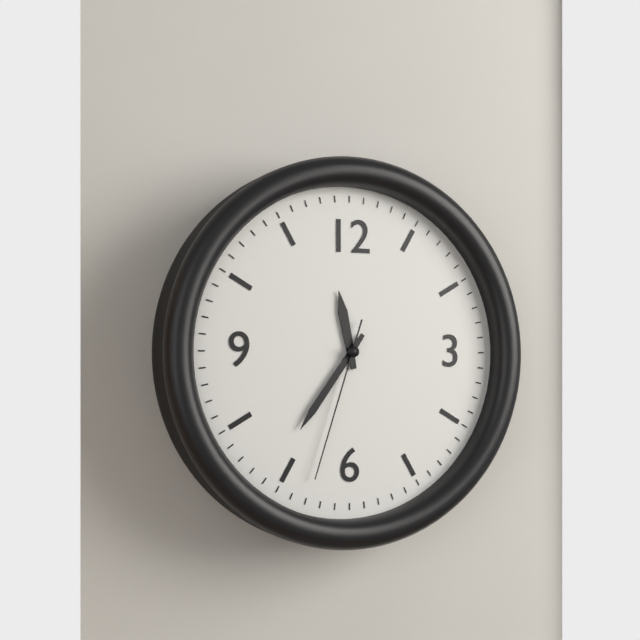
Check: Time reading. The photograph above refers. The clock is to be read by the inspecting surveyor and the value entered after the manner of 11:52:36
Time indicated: 11:36:33
